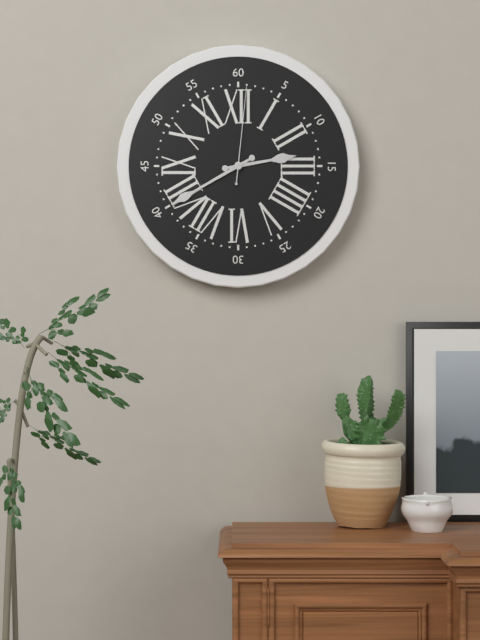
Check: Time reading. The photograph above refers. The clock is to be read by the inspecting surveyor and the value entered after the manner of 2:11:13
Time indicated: 2:40:01
